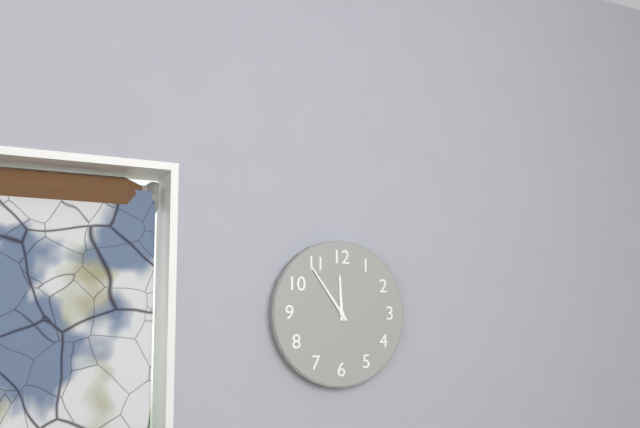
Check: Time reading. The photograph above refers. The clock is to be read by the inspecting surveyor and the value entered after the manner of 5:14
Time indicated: 11:54
